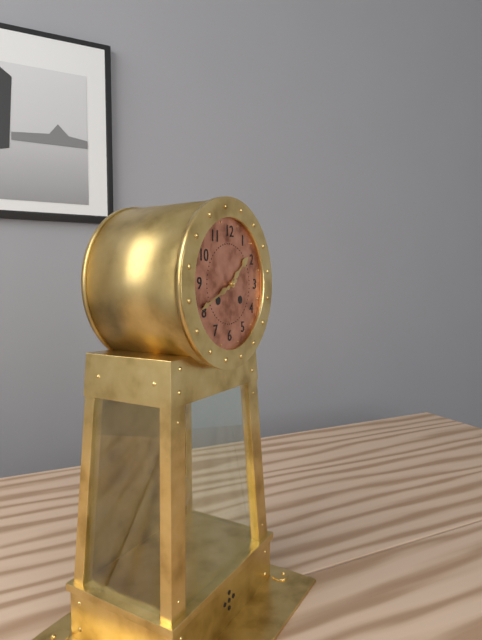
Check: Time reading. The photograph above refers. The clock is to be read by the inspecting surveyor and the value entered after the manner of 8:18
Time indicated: 1:41
